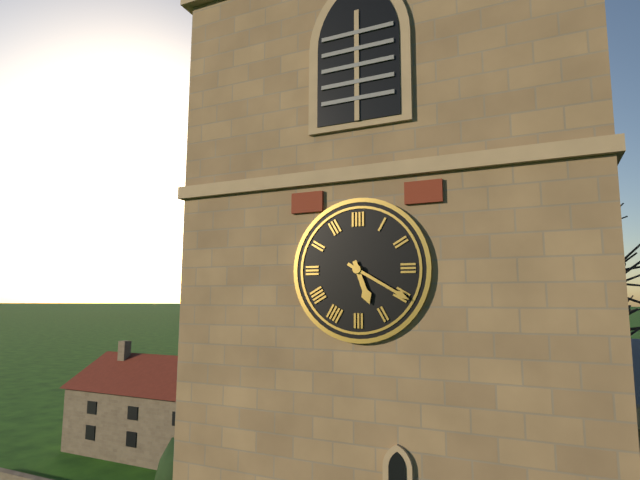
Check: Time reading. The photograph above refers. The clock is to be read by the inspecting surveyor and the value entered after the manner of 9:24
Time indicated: 5:20
